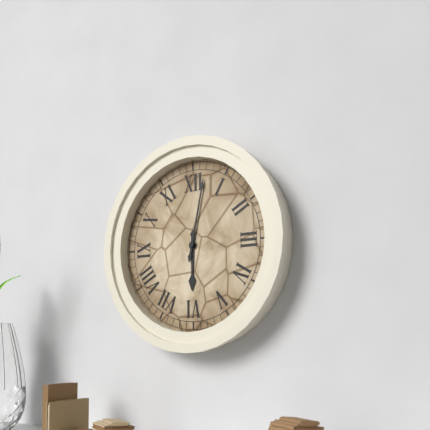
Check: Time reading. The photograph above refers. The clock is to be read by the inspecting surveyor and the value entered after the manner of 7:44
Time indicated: 6:02
